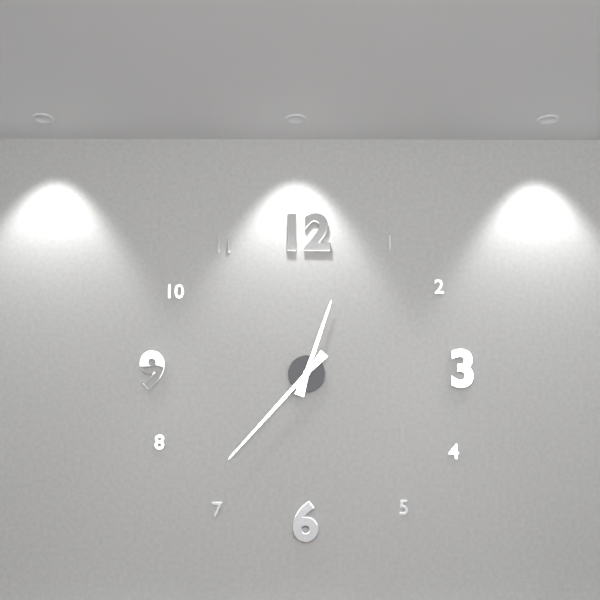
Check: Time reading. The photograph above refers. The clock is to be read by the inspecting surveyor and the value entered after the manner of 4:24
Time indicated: 12:37
